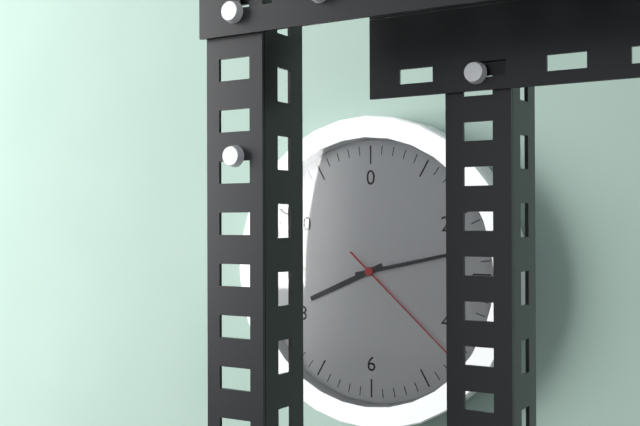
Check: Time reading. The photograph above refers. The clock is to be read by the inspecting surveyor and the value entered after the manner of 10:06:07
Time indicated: 8:13:22
